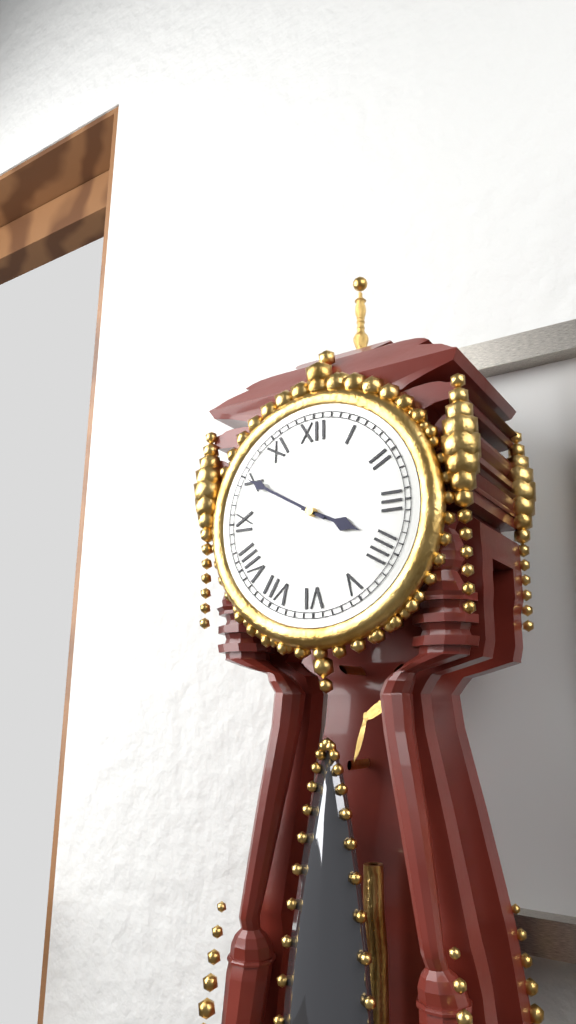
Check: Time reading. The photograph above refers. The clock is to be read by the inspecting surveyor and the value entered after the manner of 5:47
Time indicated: 3:50
